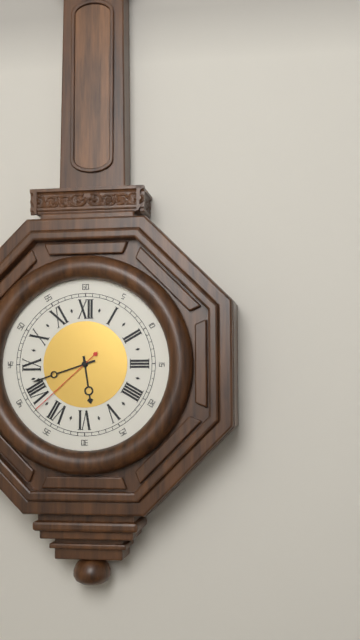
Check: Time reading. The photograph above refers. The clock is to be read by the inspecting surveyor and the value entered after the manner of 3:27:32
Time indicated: 5:42:38
